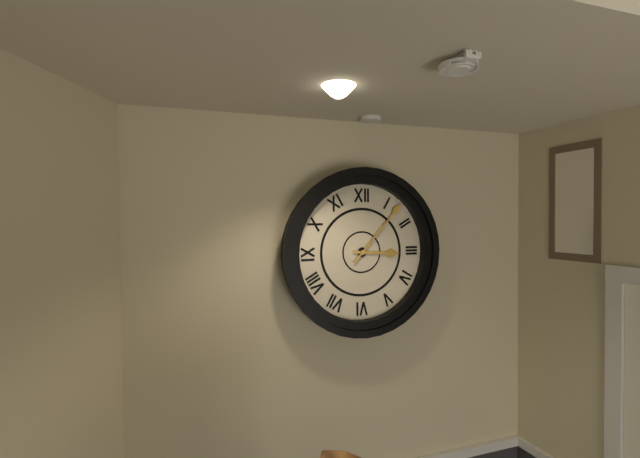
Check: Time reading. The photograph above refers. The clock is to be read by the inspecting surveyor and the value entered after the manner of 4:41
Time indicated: 3:07
